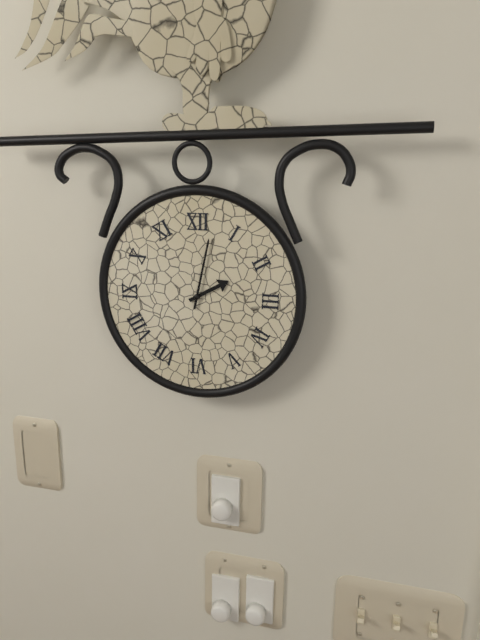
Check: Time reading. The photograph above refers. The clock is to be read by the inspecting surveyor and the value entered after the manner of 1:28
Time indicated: 2:02
